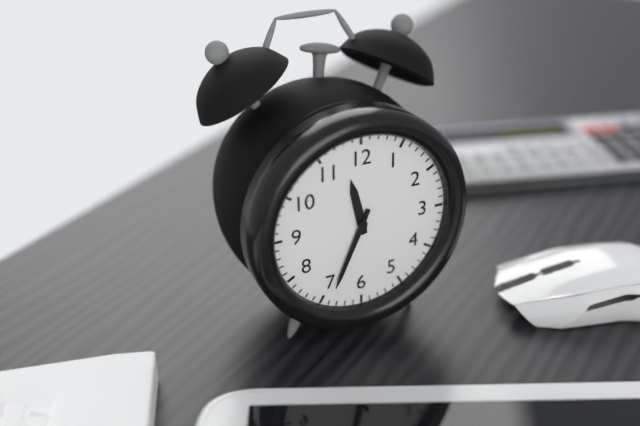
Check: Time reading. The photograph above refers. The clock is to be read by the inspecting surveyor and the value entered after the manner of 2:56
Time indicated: 11:34
